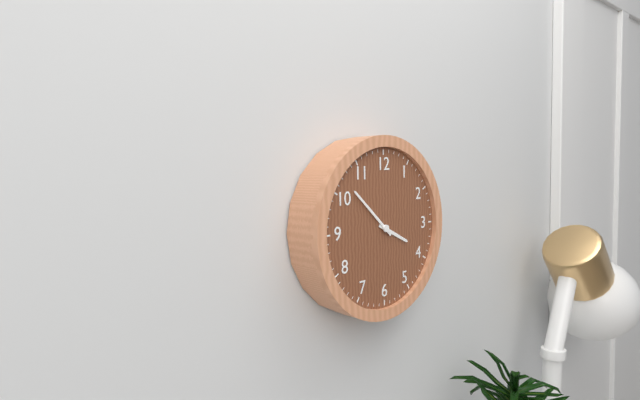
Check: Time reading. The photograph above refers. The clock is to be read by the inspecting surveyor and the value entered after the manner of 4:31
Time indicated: 3:52
